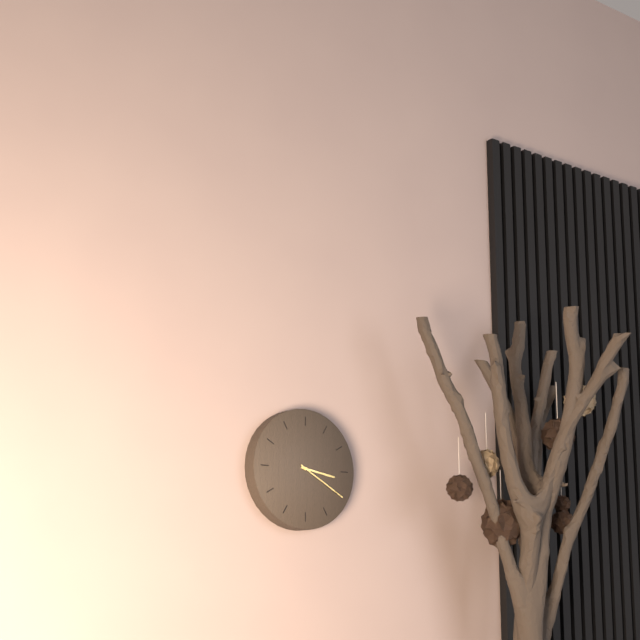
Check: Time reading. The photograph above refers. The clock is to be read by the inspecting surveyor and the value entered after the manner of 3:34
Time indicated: 3:20
